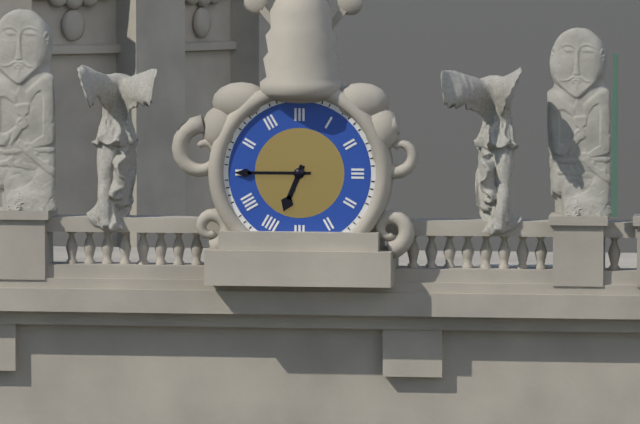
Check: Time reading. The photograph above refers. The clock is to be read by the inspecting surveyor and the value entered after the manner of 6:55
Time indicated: 6:45
